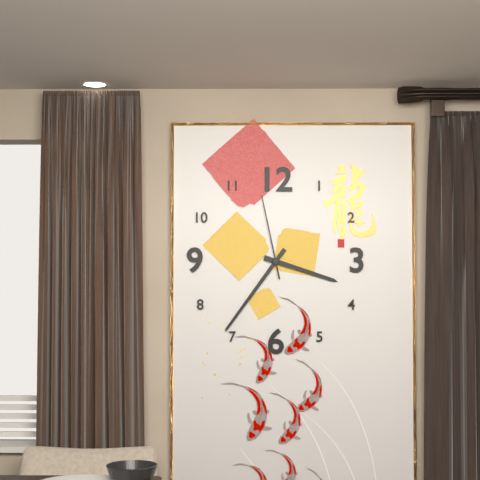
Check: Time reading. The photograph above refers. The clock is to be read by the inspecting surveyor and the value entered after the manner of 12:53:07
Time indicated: 3:36:58
